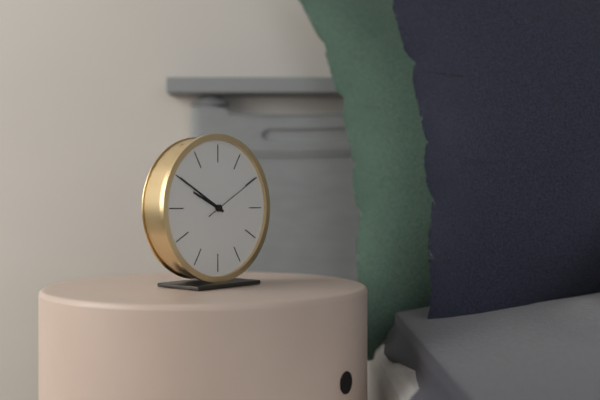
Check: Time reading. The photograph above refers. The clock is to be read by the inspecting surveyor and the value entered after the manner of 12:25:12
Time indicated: 9:50:10
